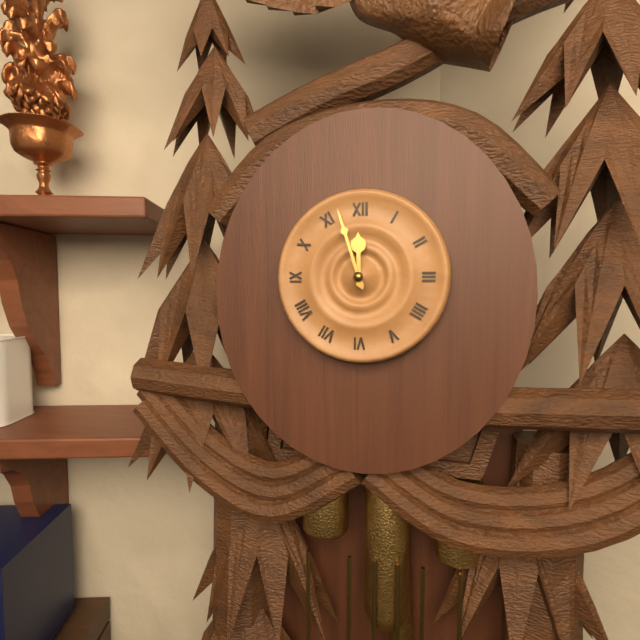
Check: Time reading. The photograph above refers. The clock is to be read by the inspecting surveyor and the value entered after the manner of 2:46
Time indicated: 11:57
